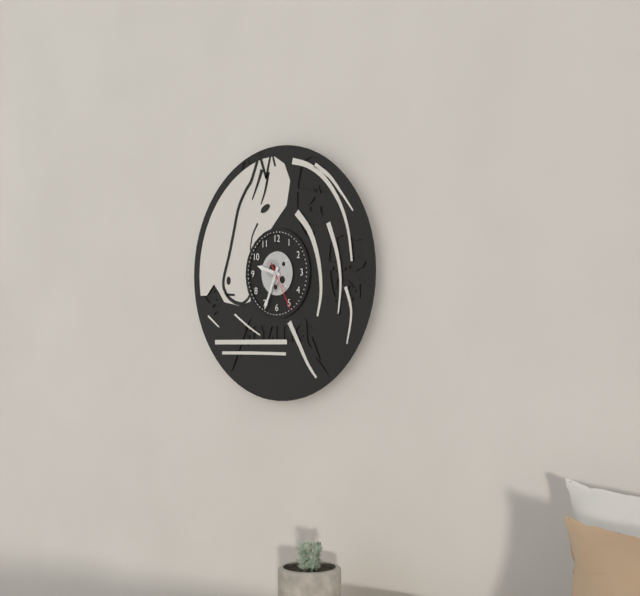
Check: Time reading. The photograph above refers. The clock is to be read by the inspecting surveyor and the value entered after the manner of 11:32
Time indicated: 9:34
